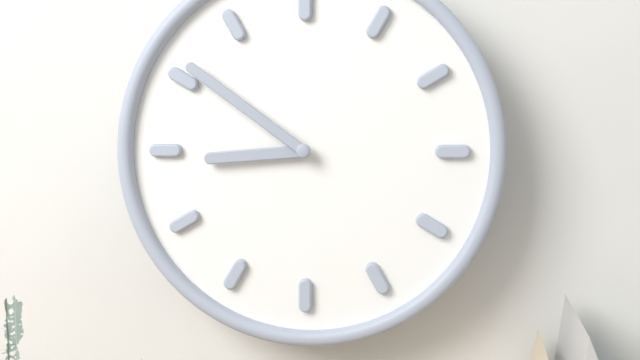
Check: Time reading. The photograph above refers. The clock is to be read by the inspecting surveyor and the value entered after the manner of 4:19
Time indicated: 8:51
